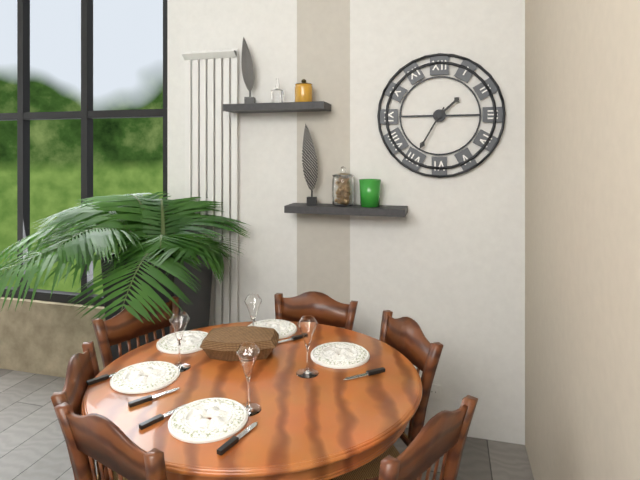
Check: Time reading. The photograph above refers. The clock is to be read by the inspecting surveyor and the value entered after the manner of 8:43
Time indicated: 1:35
